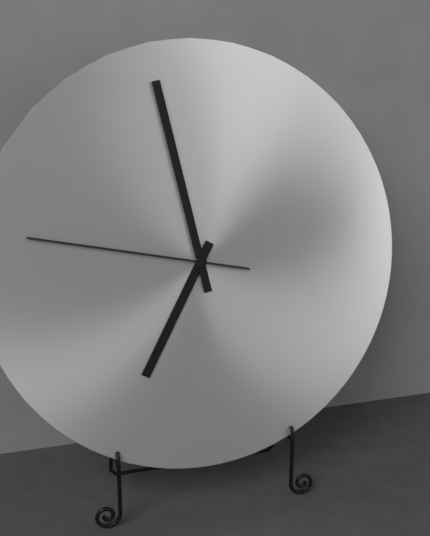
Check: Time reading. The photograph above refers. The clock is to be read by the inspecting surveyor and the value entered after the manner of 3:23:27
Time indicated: 6:58:47
